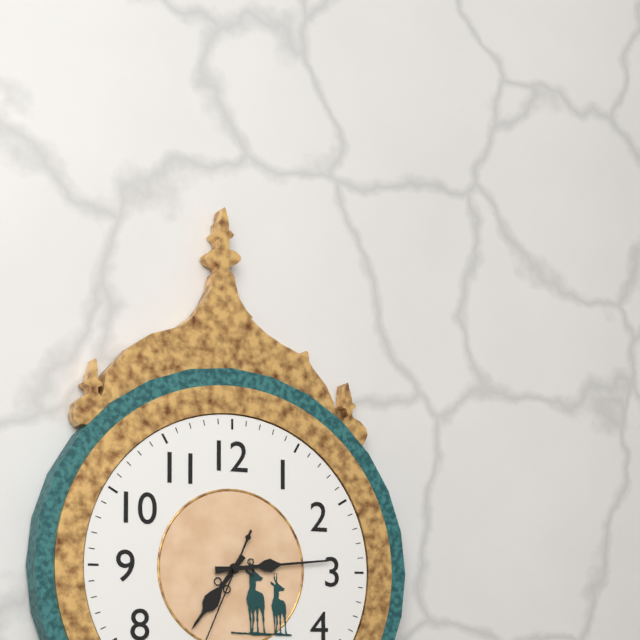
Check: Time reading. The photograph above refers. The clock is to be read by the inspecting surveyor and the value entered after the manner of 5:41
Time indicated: 7:14
